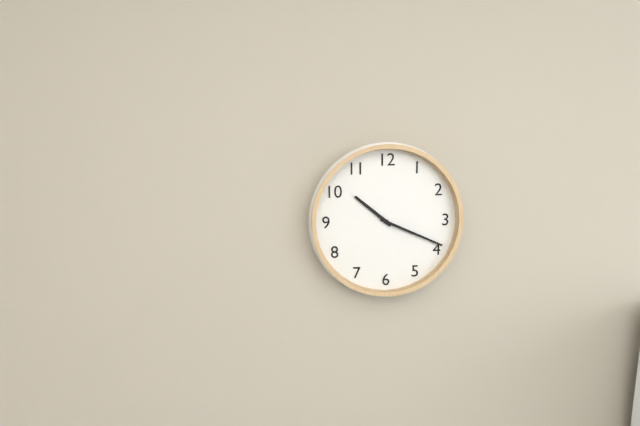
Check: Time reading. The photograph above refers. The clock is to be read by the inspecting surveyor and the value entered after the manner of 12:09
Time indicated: 10:19
